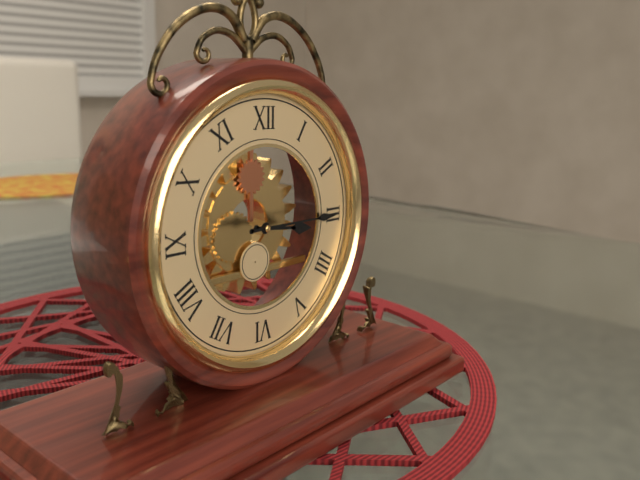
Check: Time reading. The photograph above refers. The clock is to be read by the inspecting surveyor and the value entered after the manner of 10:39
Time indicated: 3:15
